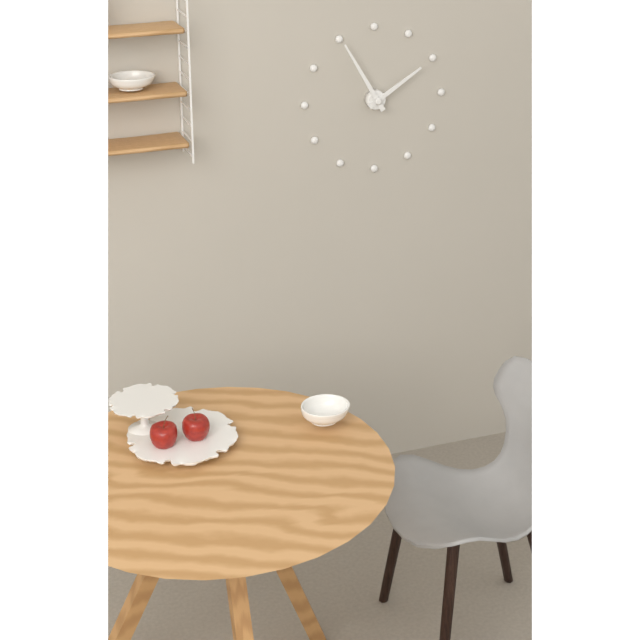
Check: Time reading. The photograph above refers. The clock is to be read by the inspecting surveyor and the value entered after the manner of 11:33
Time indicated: 1:55
